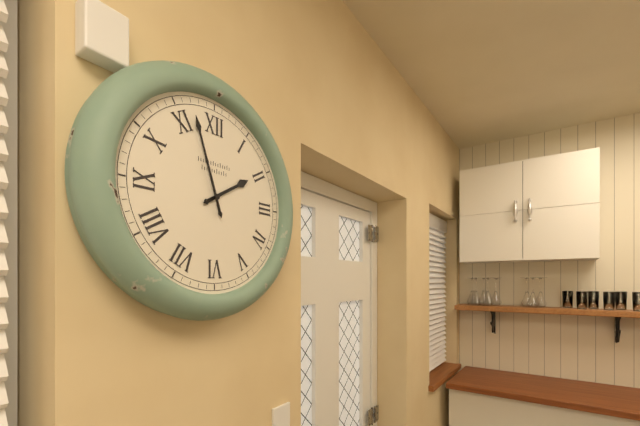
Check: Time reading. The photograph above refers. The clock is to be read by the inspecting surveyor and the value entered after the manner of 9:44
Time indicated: 1:57
